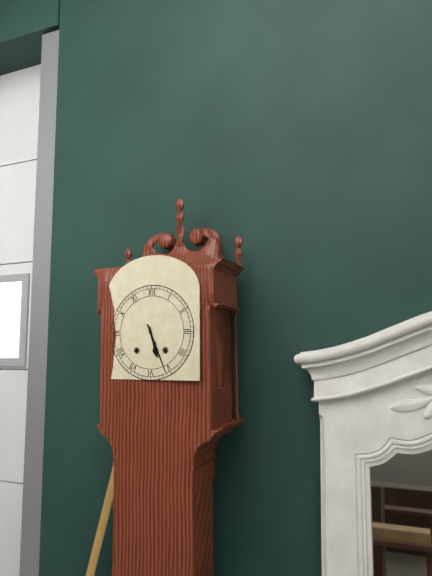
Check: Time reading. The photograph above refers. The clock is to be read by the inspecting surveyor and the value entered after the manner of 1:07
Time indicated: 5:26
